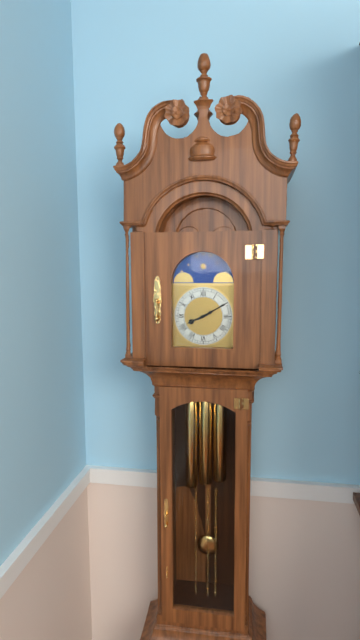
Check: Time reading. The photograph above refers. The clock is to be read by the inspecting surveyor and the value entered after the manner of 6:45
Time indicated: 8:10
